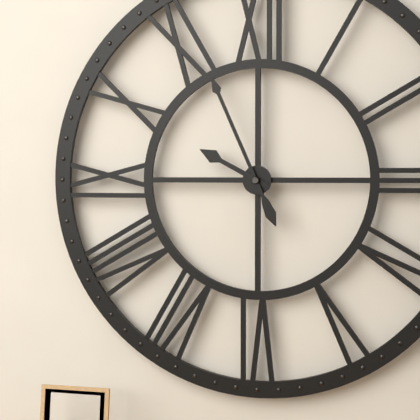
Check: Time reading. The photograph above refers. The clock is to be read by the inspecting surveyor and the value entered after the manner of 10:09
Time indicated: 9:56
